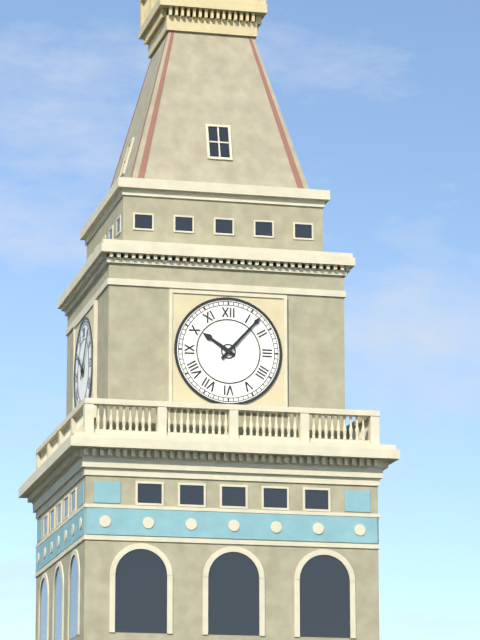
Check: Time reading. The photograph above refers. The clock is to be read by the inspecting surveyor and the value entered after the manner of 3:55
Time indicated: 10:07
